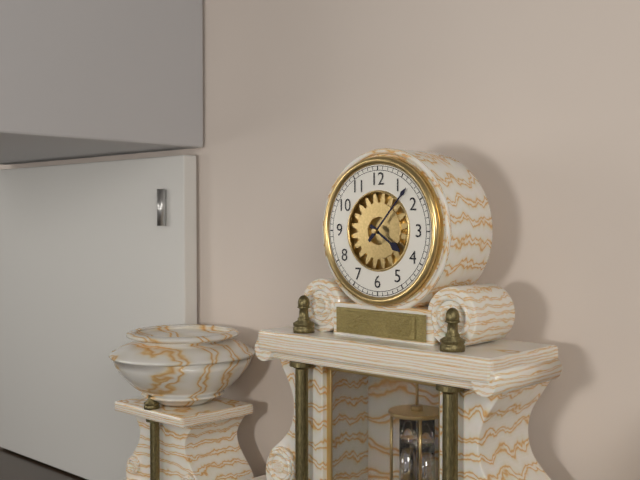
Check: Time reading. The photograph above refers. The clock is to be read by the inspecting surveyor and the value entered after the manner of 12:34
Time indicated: 4:07
